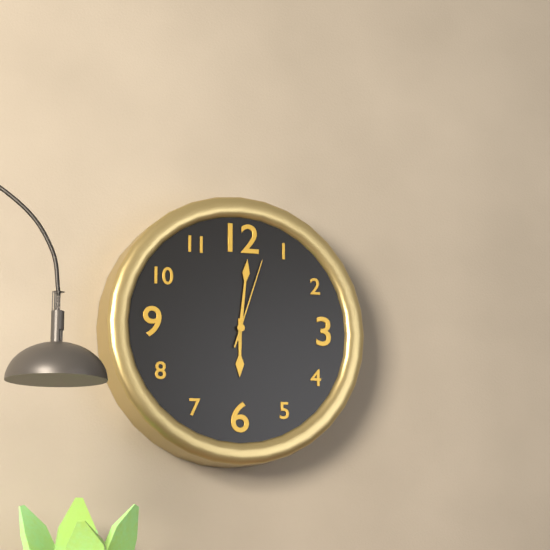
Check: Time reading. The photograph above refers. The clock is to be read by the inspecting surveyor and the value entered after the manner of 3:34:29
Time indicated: 6:01:03
